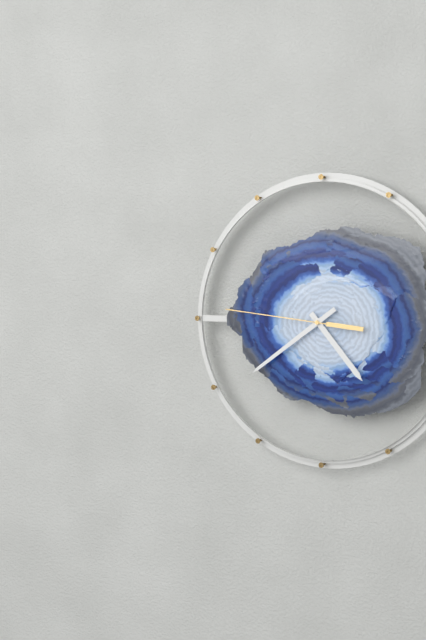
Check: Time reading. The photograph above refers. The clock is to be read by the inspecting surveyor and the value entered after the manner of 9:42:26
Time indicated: 4:39:46
